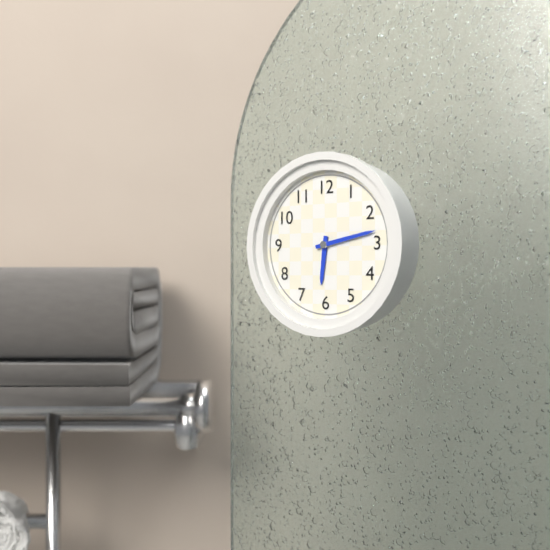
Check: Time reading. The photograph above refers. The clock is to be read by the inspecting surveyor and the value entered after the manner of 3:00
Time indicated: 6:13
